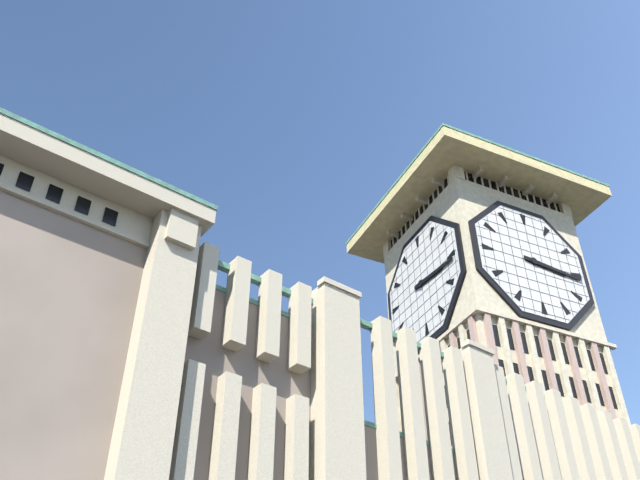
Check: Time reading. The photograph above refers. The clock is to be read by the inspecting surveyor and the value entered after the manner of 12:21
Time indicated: 3:16
